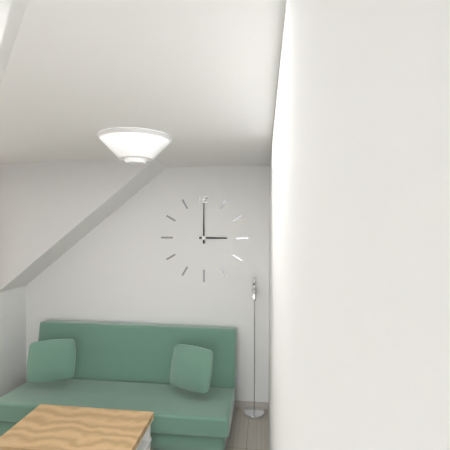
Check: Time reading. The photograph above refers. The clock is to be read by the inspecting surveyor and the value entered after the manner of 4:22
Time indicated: 3:00
